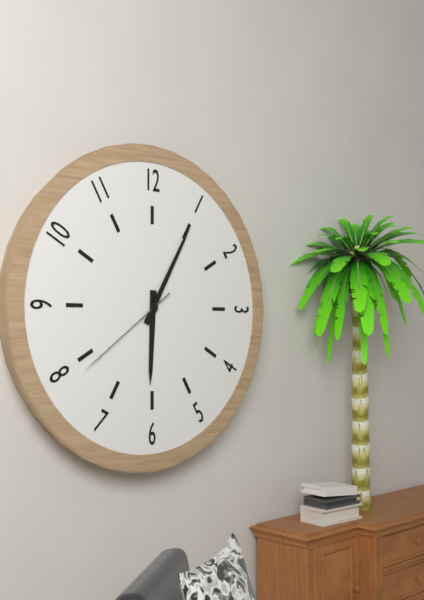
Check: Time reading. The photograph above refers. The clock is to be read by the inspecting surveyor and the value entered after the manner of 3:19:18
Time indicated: 6:05:39
